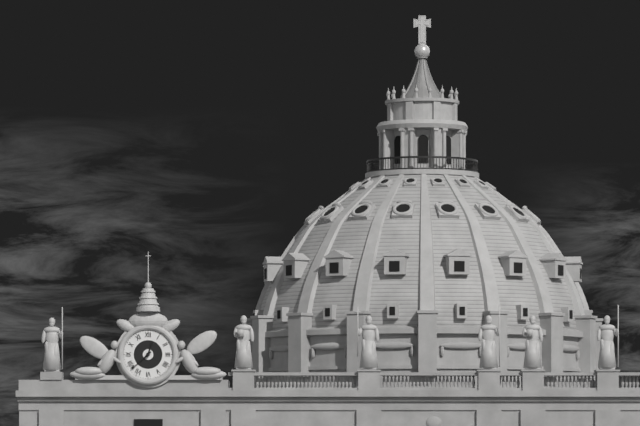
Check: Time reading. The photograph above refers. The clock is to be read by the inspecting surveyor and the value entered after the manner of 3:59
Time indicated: 12:38
